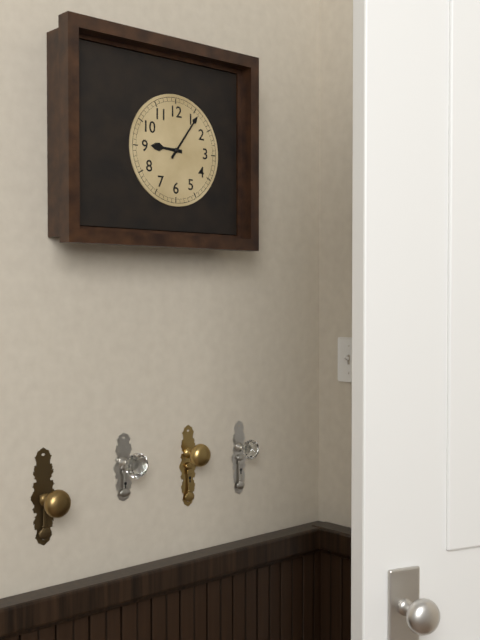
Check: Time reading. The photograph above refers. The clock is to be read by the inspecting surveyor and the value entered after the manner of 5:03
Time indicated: 9:06
